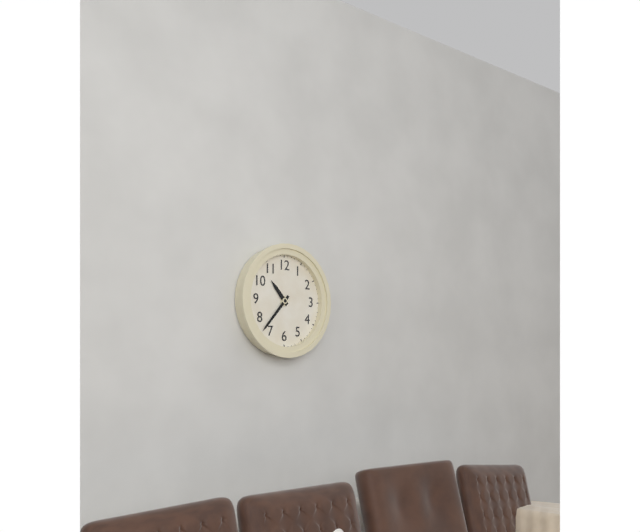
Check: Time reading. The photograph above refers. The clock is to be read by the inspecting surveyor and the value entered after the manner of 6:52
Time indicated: 10:37
